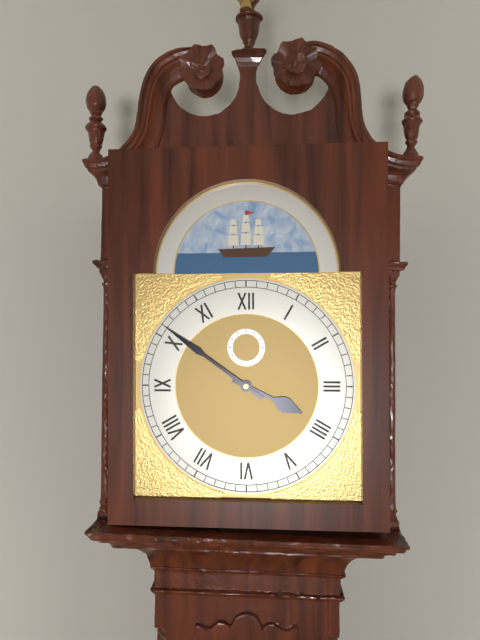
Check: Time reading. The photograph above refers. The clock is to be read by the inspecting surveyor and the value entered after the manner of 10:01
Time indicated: 3:51
